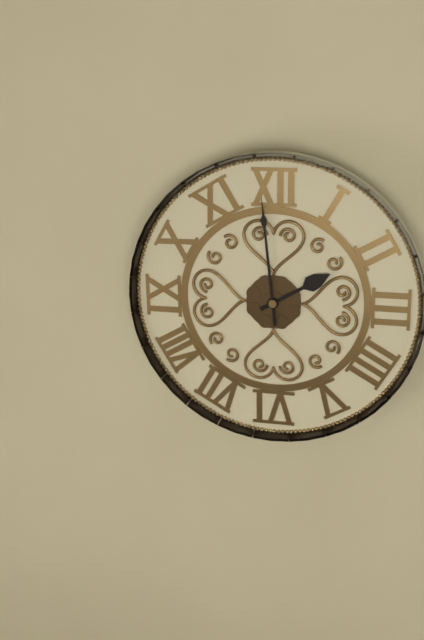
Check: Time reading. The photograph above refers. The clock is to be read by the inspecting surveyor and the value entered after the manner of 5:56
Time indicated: 1:59
